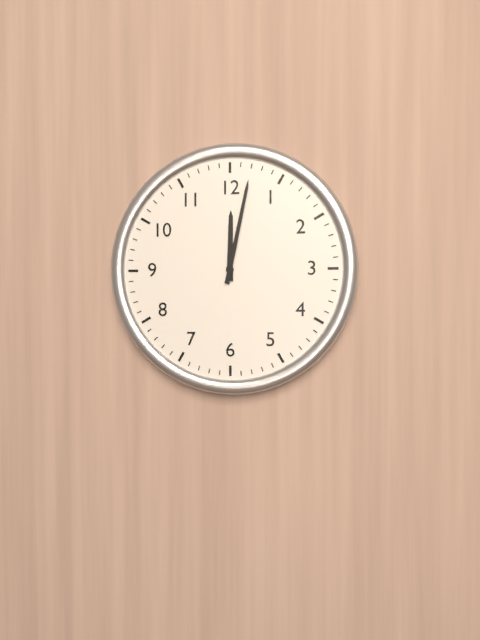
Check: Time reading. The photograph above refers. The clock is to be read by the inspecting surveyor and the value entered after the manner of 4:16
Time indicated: 12:02
